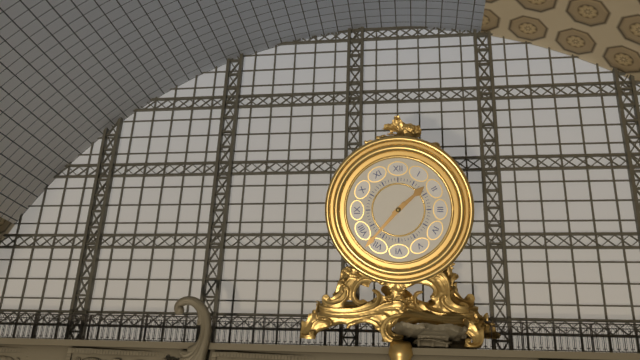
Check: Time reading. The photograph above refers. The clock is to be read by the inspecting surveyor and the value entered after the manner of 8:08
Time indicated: 1:37
